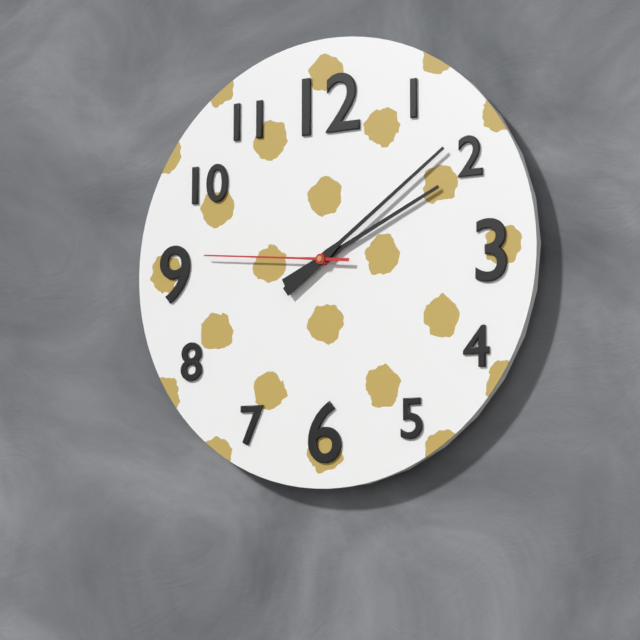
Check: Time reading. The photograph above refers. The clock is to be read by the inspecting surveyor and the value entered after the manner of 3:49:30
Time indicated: 2:09:46
